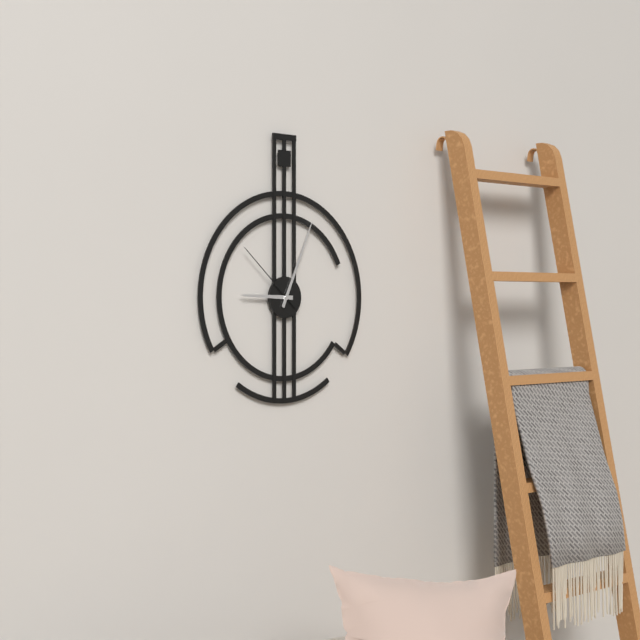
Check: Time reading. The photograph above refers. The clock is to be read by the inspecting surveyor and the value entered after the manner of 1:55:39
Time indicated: 9:04:52
